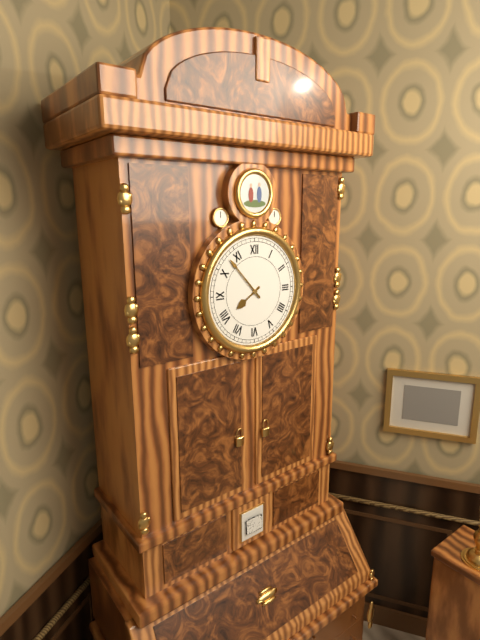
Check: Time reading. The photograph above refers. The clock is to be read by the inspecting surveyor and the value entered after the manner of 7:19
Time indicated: 7:53
